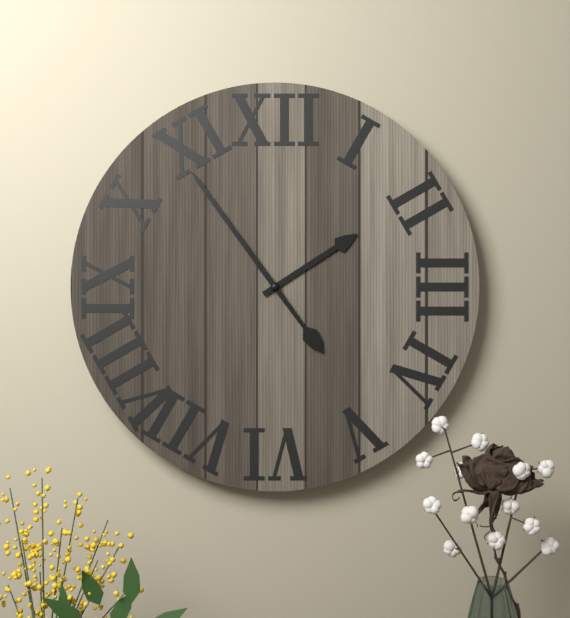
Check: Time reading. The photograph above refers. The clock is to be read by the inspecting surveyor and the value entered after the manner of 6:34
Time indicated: 1:54
